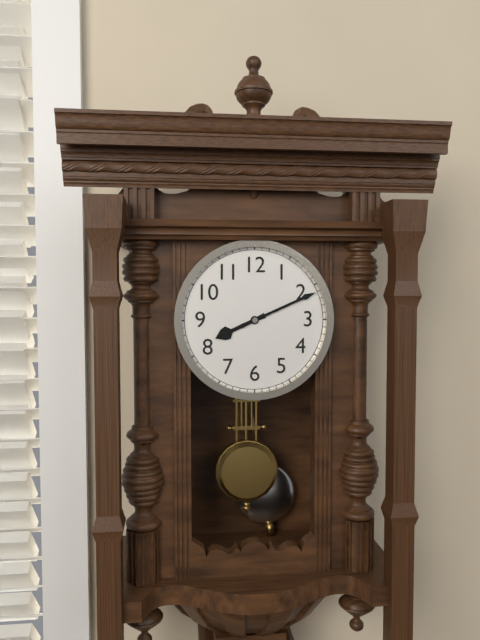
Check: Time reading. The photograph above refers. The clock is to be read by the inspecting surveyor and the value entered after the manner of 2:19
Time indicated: 8:11
